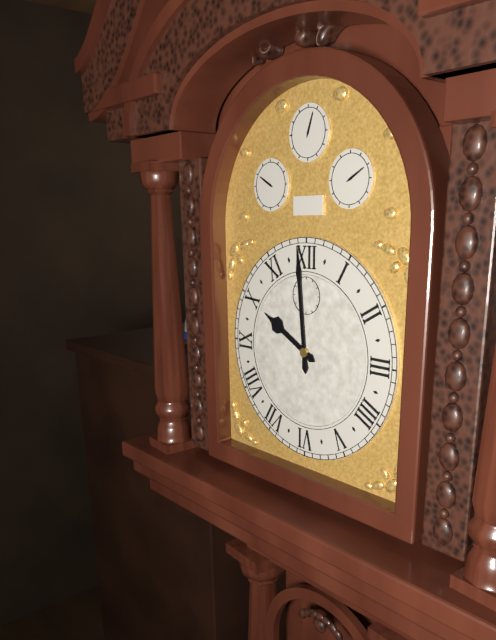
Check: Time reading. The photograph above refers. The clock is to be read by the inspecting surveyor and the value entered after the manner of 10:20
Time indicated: 9:59
